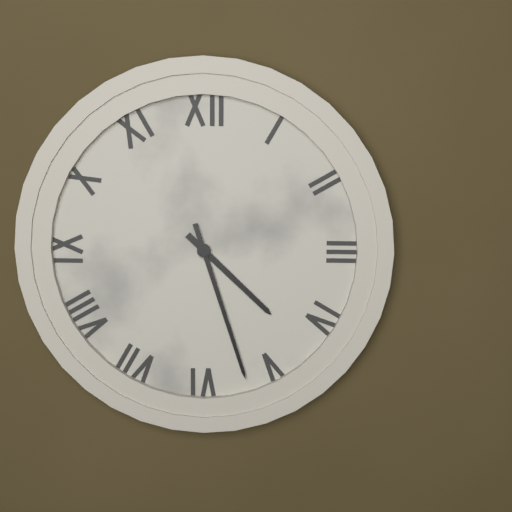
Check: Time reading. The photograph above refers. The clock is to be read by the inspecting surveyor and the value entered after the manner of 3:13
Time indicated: 4:27
